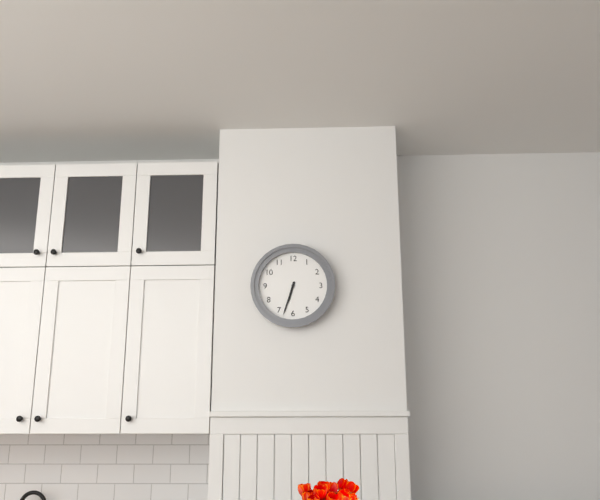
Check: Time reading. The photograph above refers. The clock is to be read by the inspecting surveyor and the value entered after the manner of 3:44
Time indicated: 6:33
